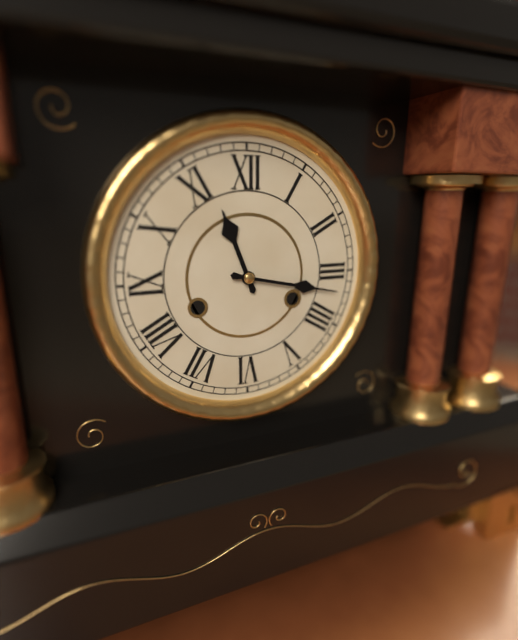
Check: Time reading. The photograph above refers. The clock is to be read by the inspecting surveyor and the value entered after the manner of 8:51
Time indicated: 11:17
